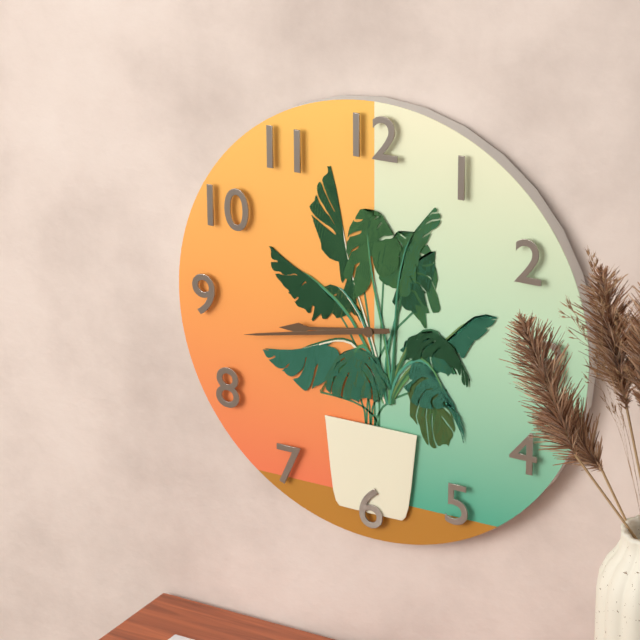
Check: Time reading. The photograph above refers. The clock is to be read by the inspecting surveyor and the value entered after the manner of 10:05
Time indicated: 8:43
